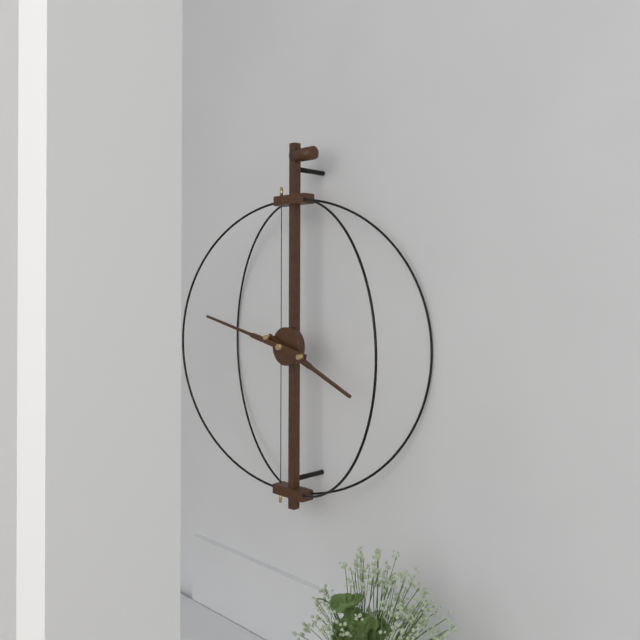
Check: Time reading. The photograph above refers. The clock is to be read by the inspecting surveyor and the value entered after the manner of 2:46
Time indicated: 3:47
